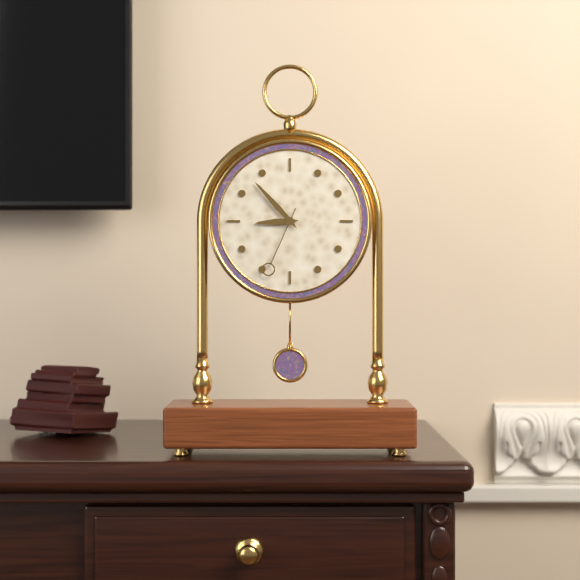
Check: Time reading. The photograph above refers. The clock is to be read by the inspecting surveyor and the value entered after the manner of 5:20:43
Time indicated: 8:53:34
